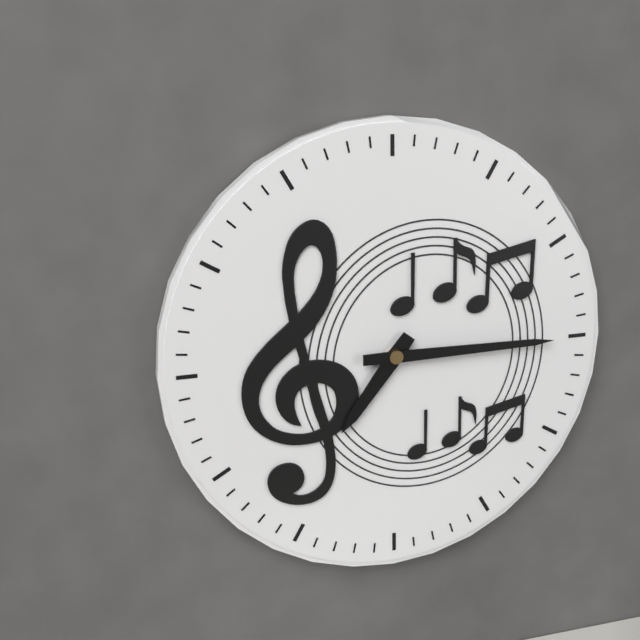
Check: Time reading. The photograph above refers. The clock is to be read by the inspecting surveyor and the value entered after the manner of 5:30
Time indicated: 7:15
